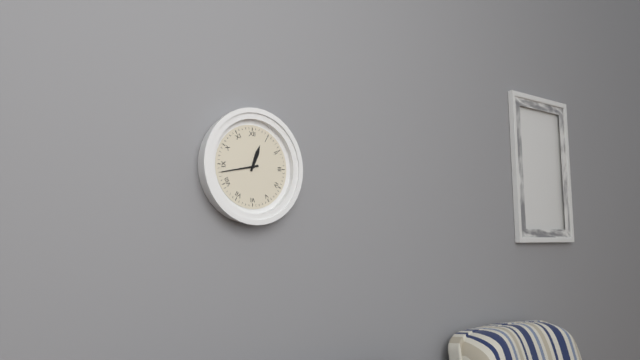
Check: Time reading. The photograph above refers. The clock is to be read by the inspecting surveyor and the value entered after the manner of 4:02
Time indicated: 12:43
